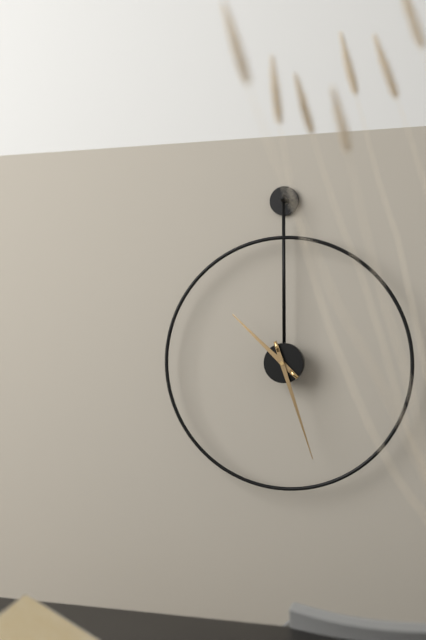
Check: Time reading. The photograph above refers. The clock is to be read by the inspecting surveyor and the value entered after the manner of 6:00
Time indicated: 10:27
